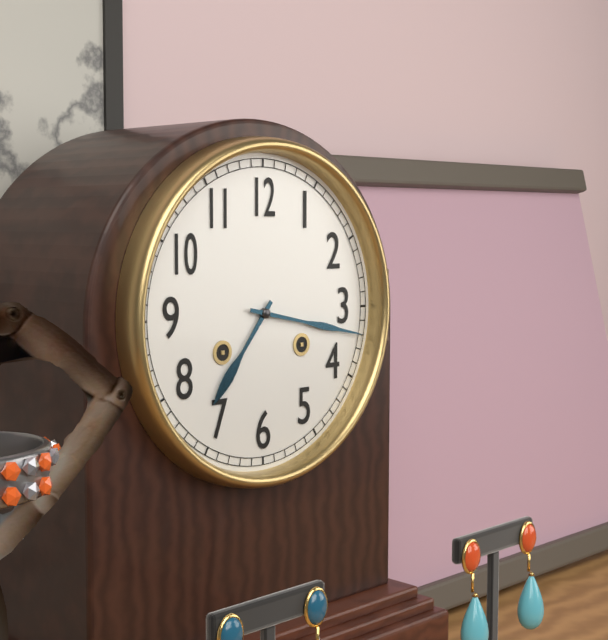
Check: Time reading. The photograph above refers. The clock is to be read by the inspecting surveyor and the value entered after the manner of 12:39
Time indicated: 7:17
